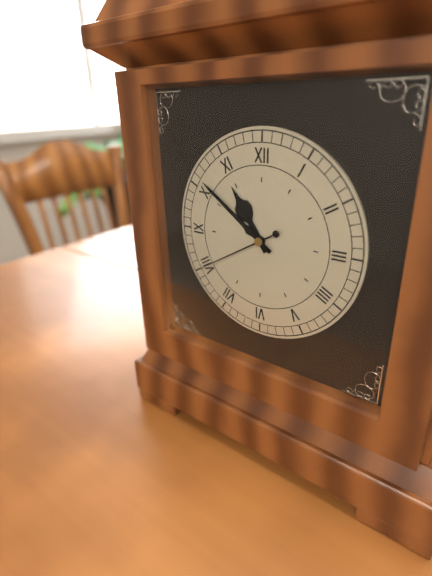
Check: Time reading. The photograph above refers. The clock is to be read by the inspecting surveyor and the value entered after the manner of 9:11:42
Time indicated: 10:51:40
